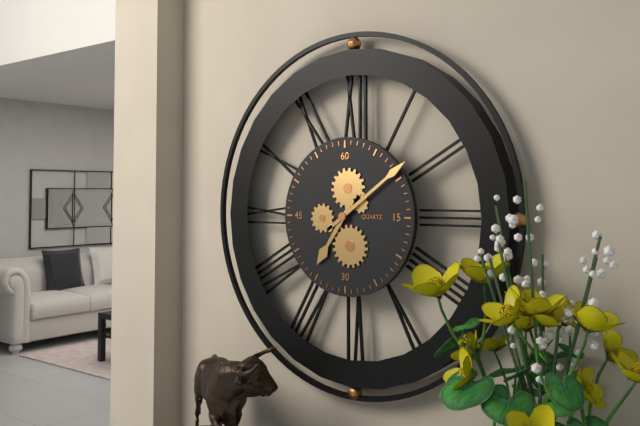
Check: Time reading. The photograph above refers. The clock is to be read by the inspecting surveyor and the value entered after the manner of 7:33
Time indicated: 7:09
